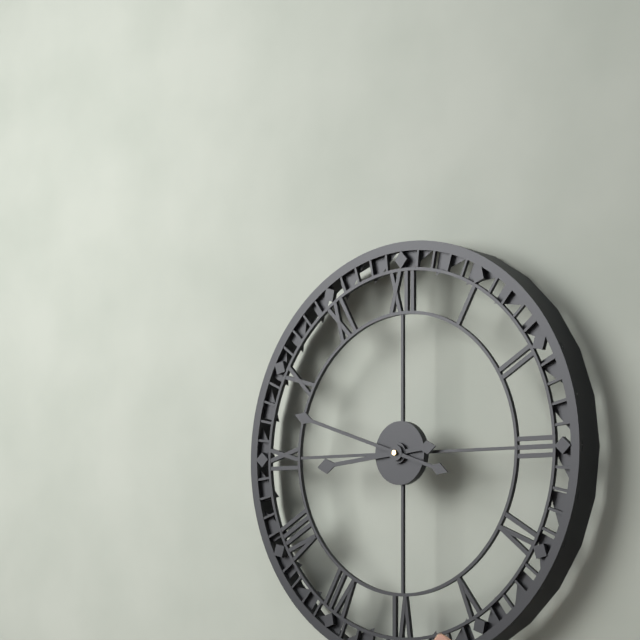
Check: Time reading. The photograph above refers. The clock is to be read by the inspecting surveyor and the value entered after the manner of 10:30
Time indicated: 8:48
